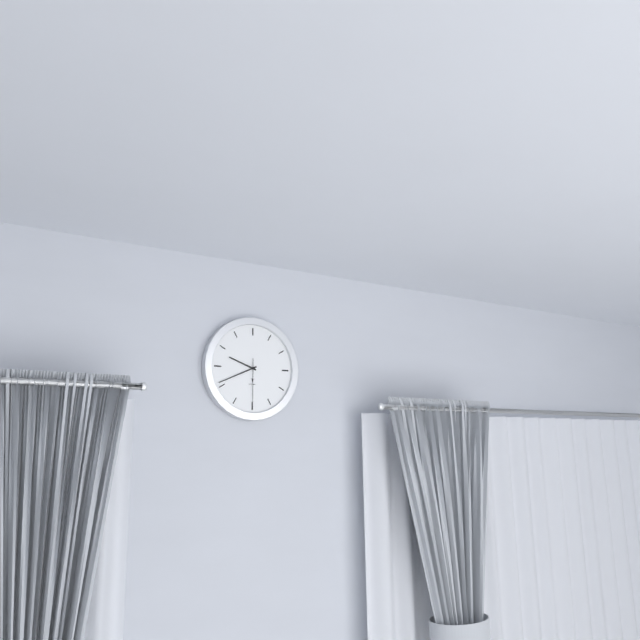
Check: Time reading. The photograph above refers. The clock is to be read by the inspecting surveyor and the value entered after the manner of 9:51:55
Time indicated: 9:41:30
